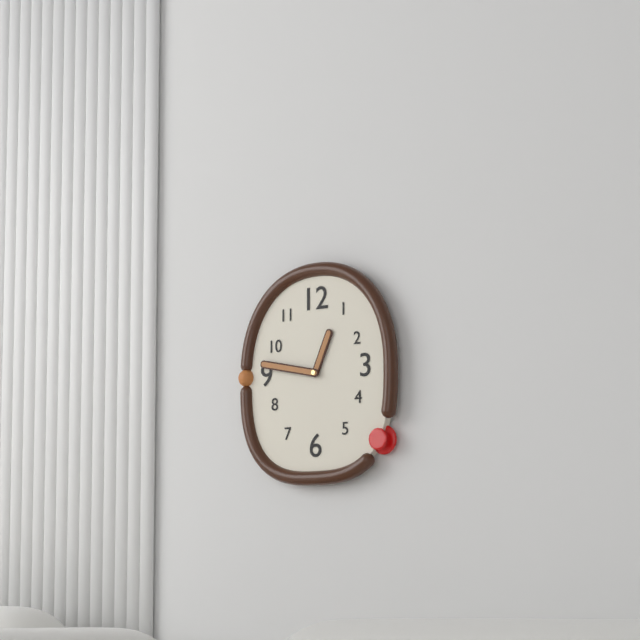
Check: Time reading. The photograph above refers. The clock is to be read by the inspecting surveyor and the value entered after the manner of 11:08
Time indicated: 12:47
